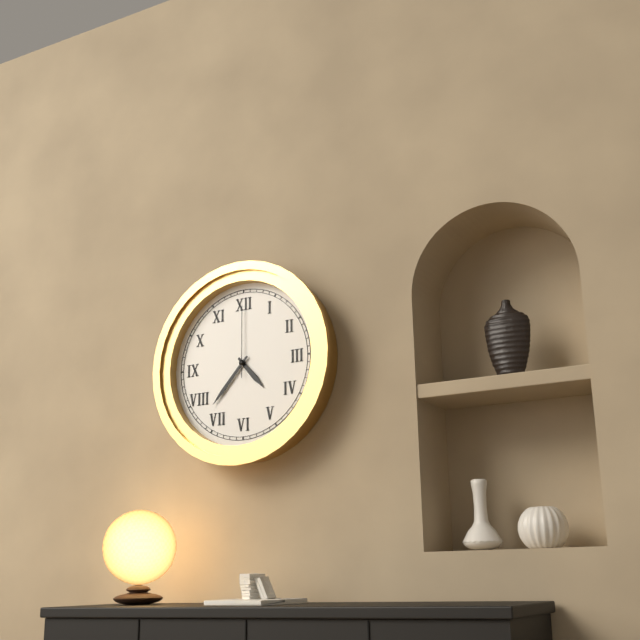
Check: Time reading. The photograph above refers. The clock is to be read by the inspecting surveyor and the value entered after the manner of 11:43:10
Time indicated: 4:37:00
